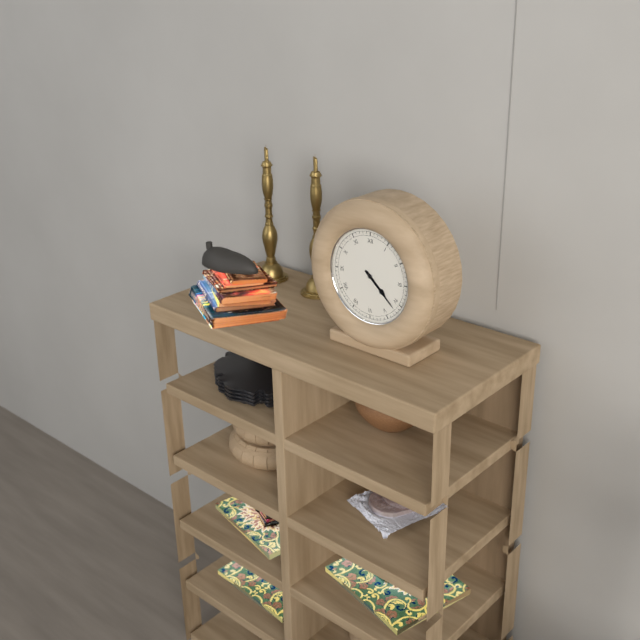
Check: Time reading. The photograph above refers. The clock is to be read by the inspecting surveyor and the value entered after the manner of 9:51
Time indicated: 4:22
